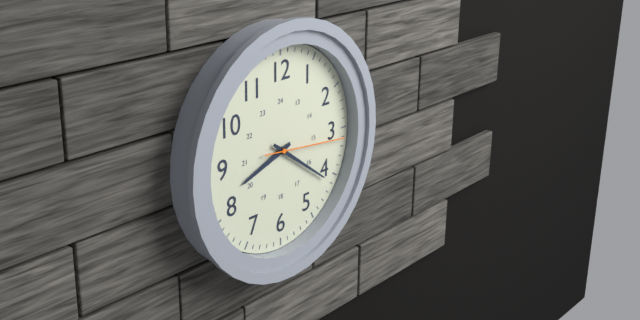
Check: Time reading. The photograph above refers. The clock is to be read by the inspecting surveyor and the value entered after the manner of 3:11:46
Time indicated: 8:21:16
